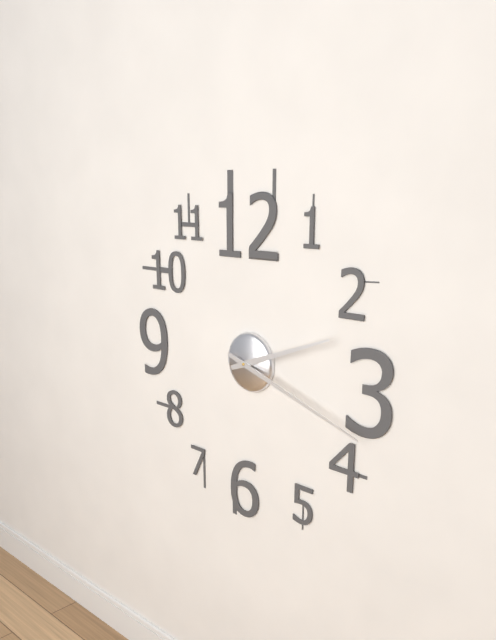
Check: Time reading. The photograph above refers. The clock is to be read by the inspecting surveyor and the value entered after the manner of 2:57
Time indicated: 2:18
